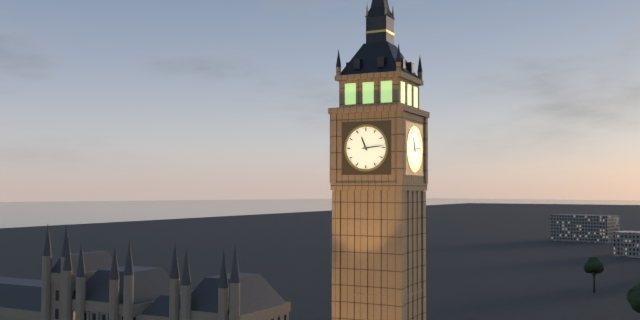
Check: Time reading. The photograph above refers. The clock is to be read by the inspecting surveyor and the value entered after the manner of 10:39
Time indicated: 11:14
